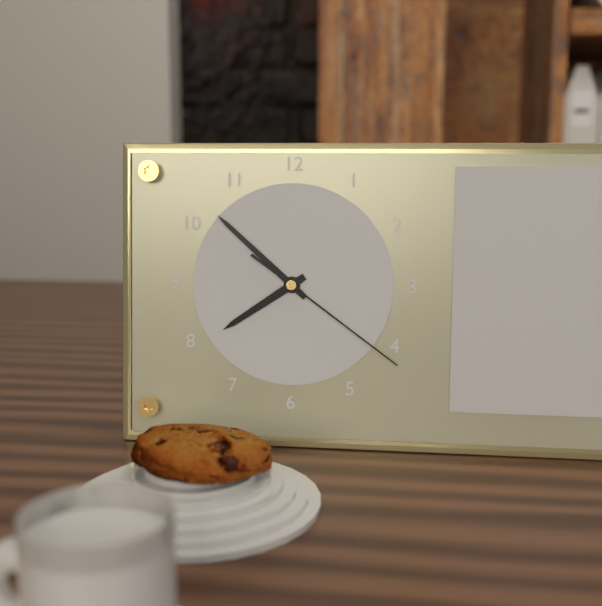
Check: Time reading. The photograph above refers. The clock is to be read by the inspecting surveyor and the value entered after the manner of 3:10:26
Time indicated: 7:52:21
